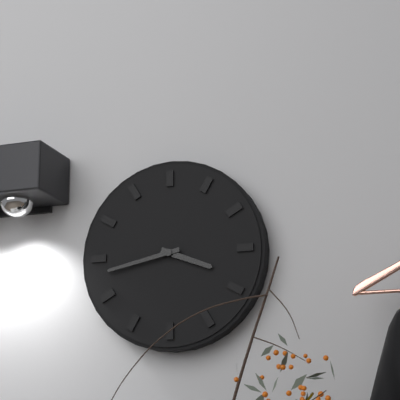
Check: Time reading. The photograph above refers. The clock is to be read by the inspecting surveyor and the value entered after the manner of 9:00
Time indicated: 3:43
